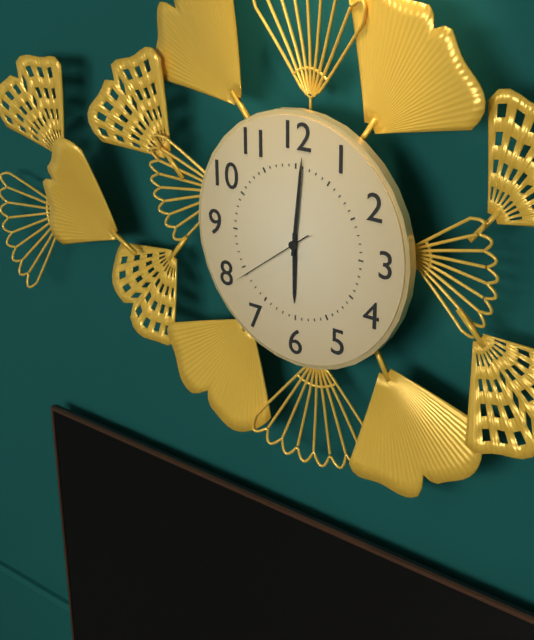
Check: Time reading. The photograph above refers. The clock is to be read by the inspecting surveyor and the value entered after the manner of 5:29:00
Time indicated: 6:01:39
